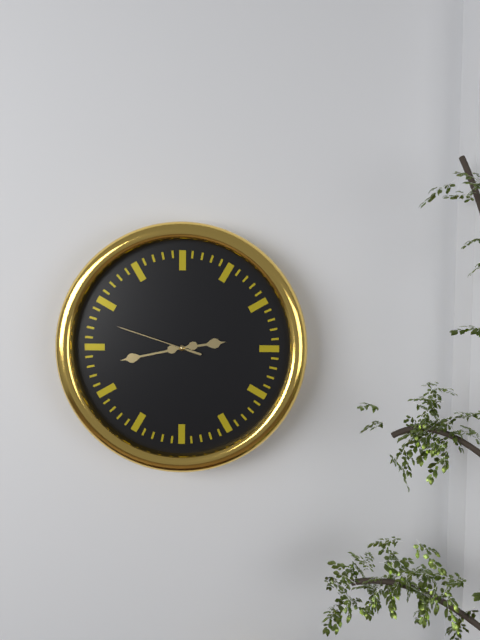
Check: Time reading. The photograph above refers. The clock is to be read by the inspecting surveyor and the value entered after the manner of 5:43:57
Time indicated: 2:43:48
